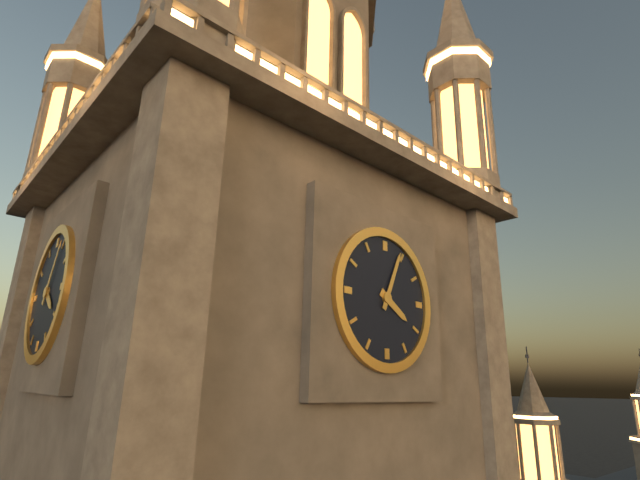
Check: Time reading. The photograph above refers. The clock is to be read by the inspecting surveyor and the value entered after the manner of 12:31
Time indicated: 4:04
